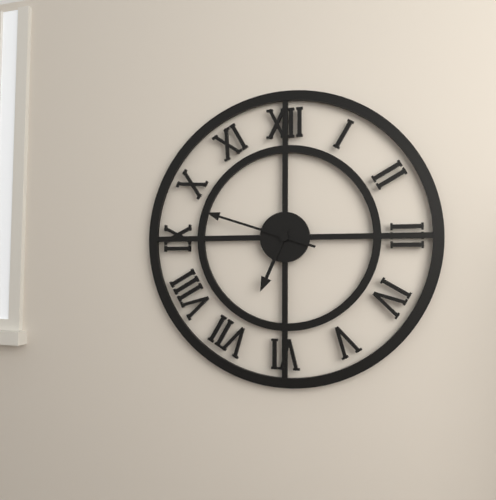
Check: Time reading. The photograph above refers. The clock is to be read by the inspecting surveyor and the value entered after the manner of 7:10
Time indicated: 6:48
